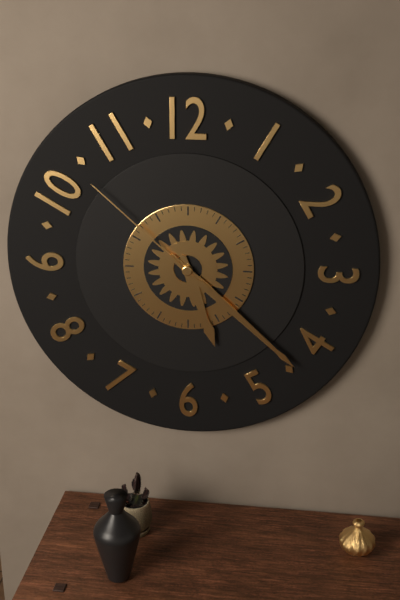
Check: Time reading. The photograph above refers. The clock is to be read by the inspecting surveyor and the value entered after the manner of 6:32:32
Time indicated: 5:22:52
